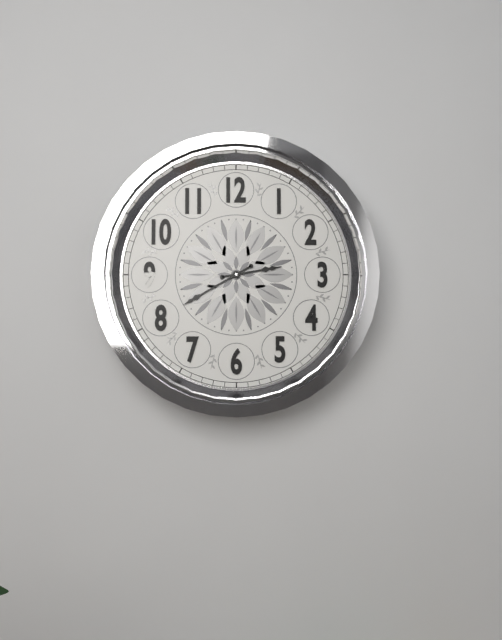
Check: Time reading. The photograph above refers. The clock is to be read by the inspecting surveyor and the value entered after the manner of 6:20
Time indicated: 2:40
